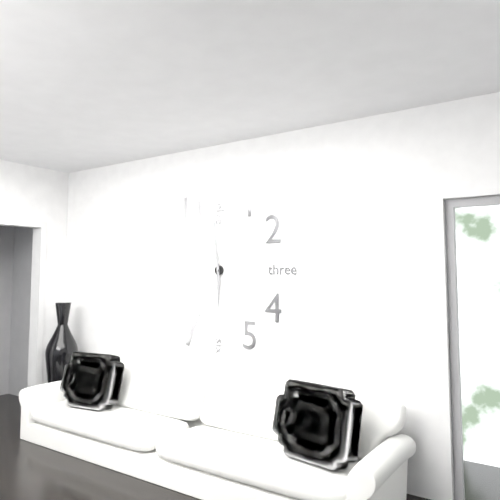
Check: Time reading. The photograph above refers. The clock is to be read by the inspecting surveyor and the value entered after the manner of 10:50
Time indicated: 5:59
